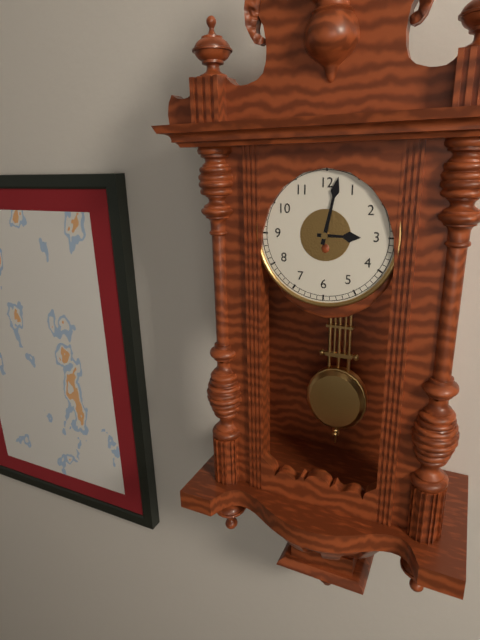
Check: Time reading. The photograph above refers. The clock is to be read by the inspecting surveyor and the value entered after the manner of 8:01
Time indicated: 3:02
